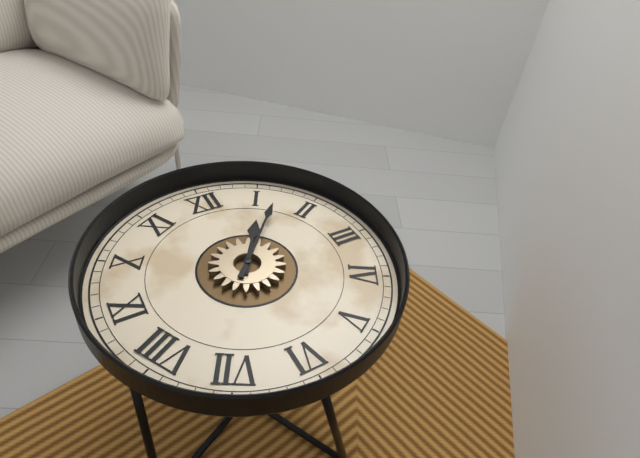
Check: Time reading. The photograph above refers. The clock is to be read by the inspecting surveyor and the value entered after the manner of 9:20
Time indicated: 1:07
